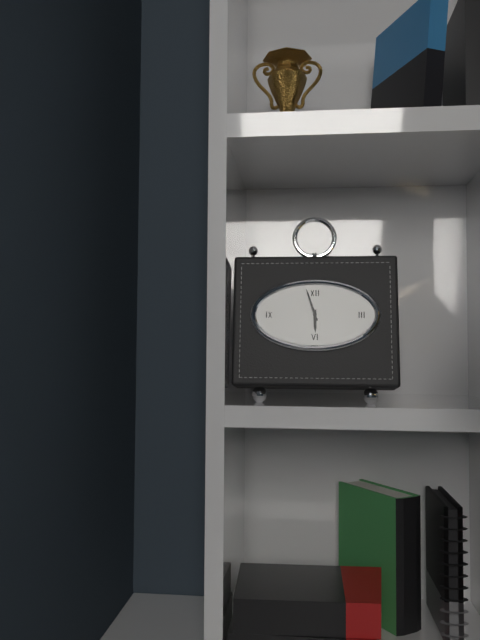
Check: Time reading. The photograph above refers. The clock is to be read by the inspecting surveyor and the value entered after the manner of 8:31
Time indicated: 5:57
